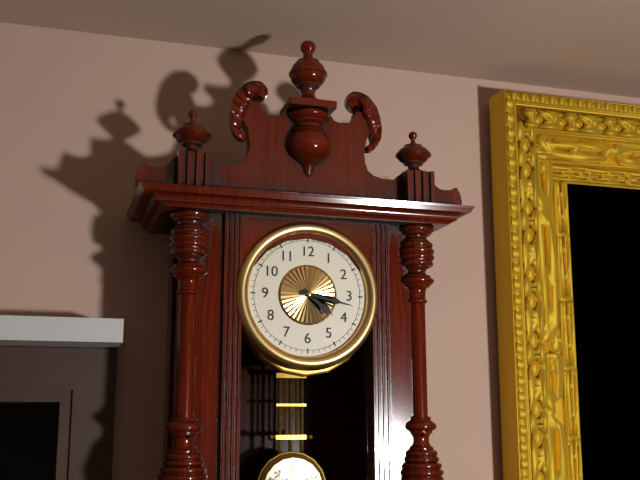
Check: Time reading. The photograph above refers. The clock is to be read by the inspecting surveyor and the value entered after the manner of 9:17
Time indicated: 4:17
